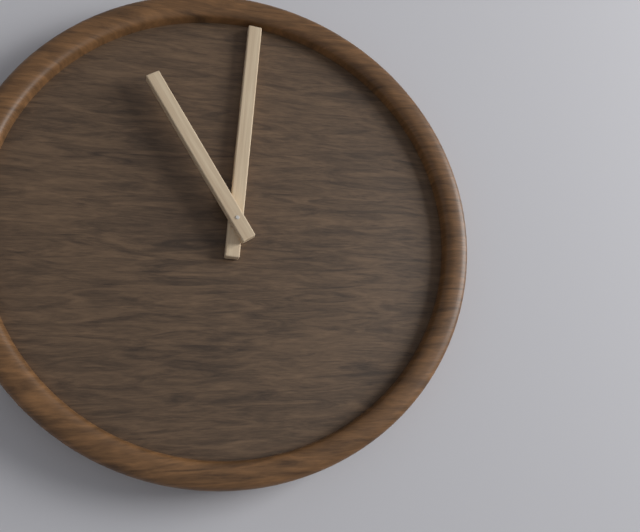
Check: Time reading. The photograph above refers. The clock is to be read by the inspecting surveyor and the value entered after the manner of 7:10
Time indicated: 11:01
